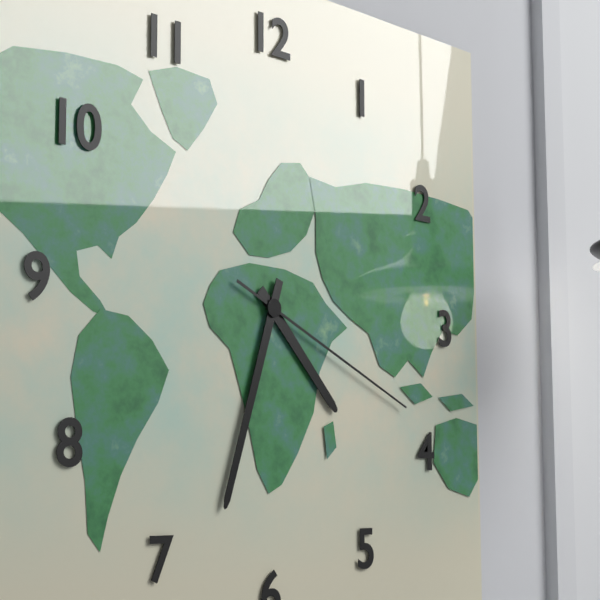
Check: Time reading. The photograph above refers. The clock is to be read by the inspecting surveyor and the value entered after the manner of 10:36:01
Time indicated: 4:33:19
